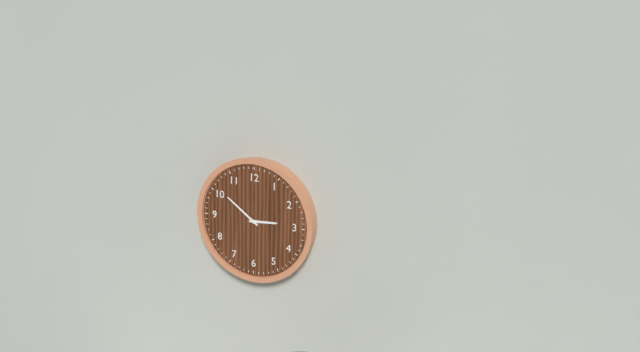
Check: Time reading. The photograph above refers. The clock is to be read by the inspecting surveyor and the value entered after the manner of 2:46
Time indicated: 2:51
